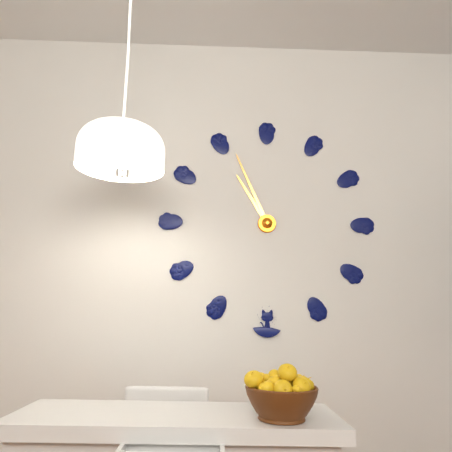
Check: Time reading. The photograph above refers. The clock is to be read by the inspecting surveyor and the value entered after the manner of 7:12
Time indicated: 10:56
